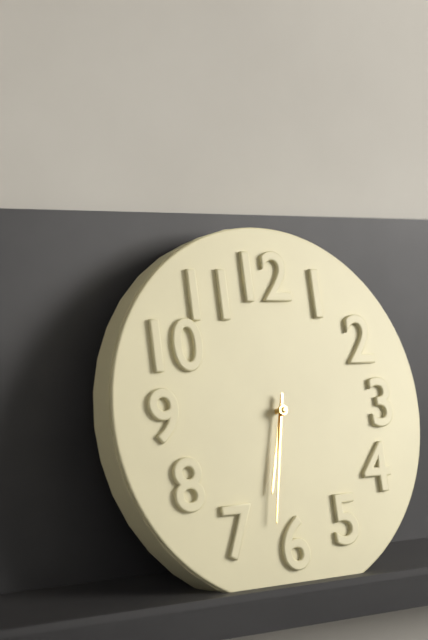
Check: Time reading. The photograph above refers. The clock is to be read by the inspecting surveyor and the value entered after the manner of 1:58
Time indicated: 6:32
